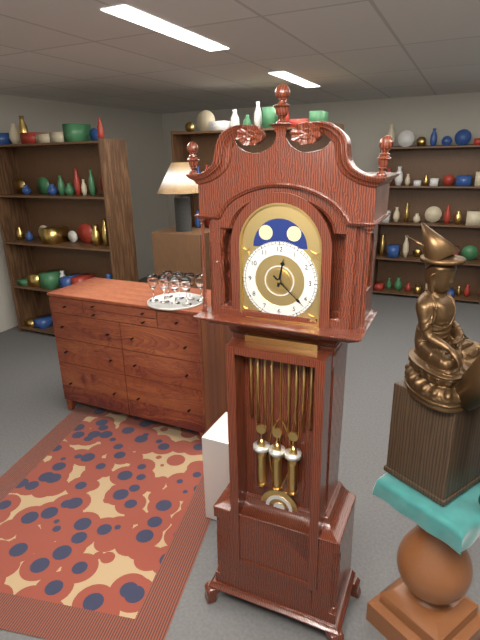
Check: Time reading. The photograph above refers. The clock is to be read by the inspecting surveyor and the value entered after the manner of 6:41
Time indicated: 12:22
